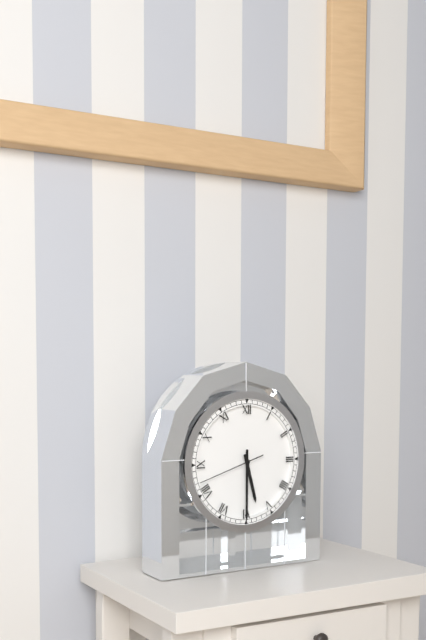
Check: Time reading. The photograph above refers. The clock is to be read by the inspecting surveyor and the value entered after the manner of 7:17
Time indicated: 5:30
